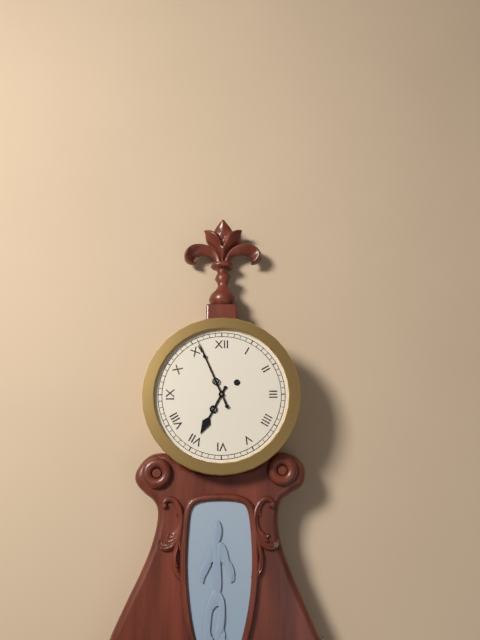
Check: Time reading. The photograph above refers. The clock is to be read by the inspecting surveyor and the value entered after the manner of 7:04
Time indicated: 6:56
